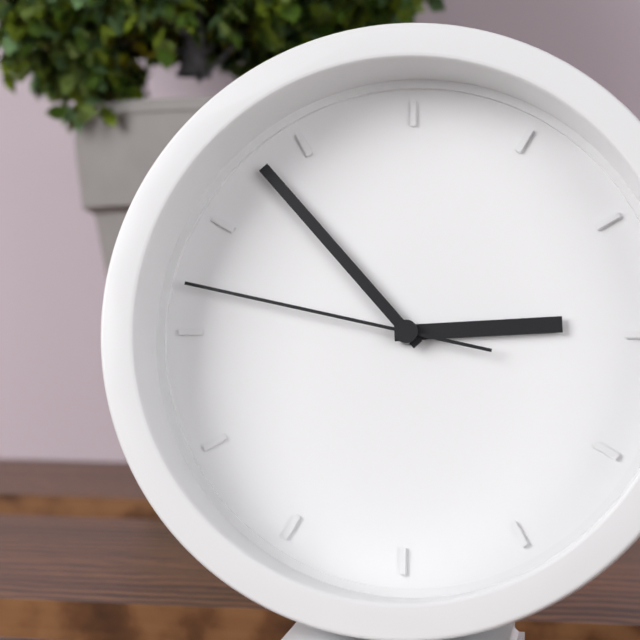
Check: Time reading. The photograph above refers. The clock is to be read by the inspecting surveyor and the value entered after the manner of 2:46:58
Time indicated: 2:53:47
